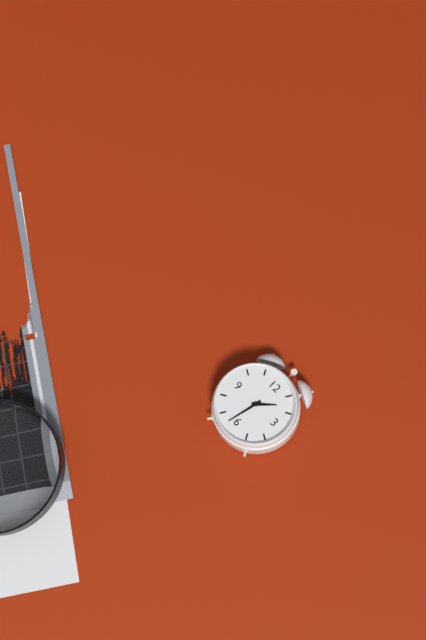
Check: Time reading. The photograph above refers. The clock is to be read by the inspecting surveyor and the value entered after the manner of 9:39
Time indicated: 1:32
